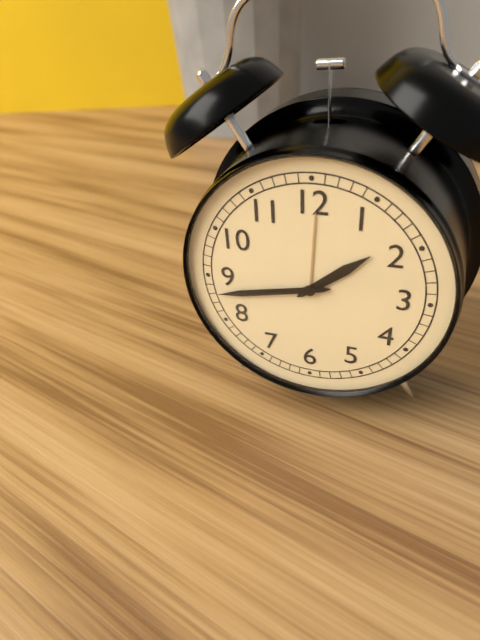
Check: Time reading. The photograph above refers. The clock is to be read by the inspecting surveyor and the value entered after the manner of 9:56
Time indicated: 1:43
